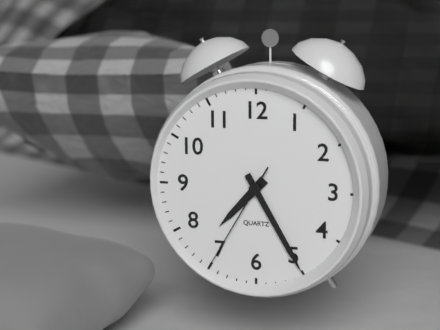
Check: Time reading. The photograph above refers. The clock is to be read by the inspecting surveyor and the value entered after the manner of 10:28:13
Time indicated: 7:25:35
